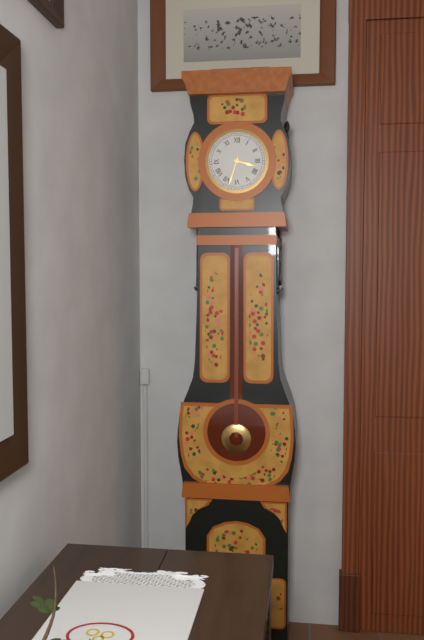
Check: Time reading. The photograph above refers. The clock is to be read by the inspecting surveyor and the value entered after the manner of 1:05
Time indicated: 3:33
